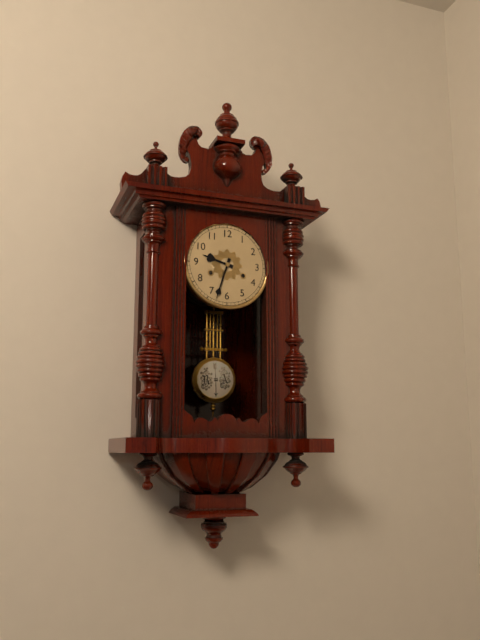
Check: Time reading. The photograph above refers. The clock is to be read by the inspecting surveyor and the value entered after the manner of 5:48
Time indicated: 9:33
